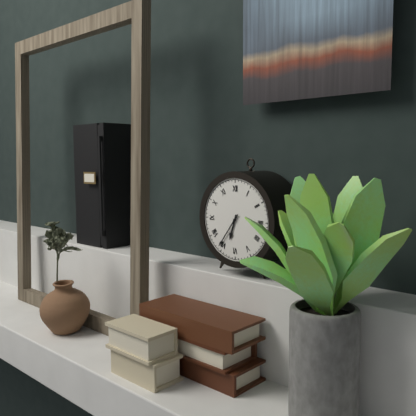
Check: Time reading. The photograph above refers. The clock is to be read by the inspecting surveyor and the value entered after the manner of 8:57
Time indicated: 6:36
